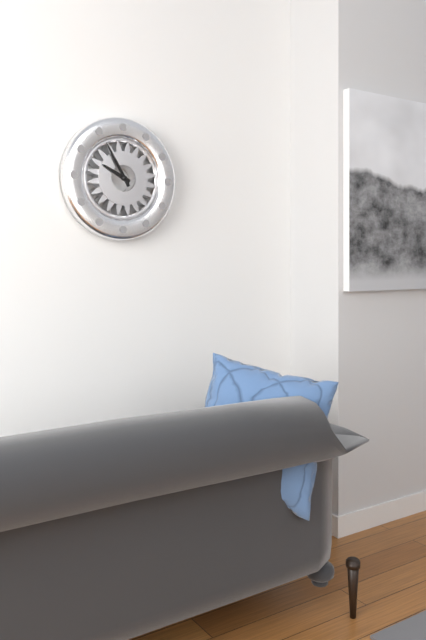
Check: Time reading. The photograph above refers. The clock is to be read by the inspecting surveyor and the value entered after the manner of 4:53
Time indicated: 9:55
